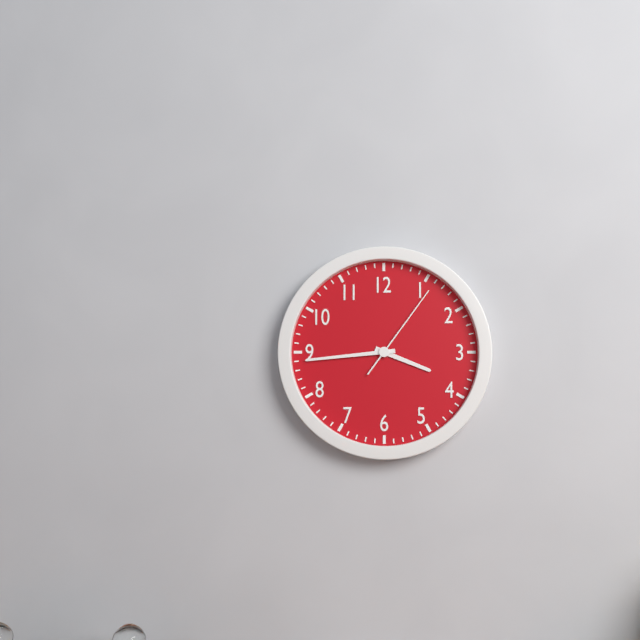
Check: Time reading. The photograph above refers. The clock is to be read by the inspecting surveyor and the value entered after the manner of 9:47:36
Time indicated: 3:44:06
